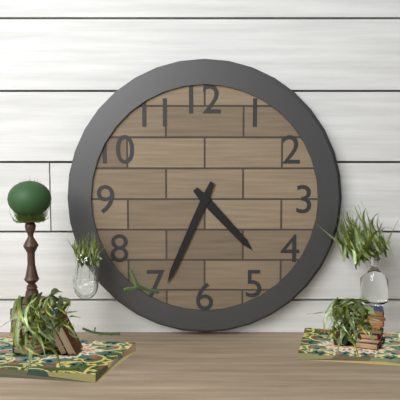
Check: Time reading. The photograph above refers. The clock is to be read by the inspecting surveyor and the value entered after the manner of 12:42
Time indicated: 4:34
